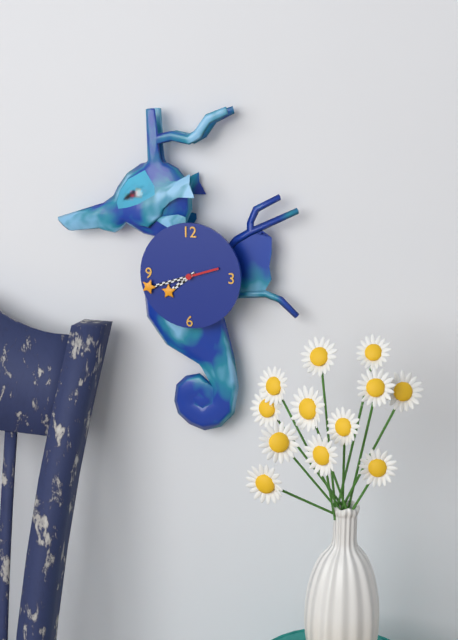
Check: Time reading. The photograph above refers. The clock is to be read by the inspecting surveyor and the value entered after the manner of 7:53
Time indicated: 7:42
